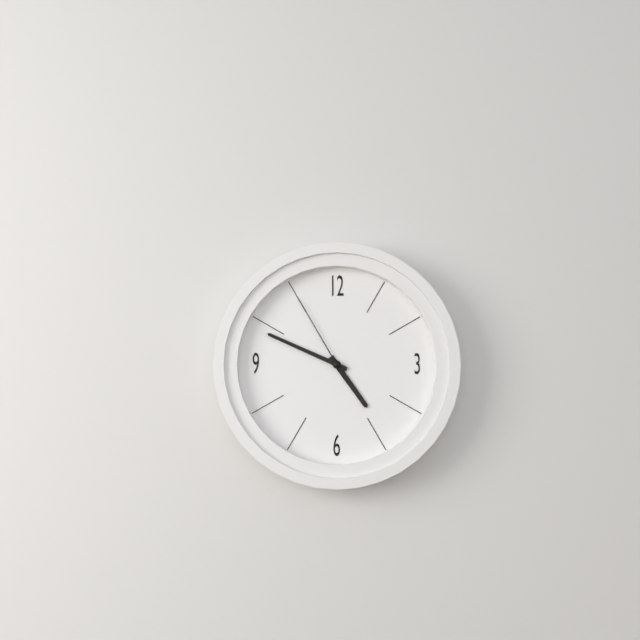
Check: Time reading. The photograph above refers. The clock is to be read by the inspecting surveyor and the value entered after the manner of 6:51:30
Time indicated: 4:49:55
